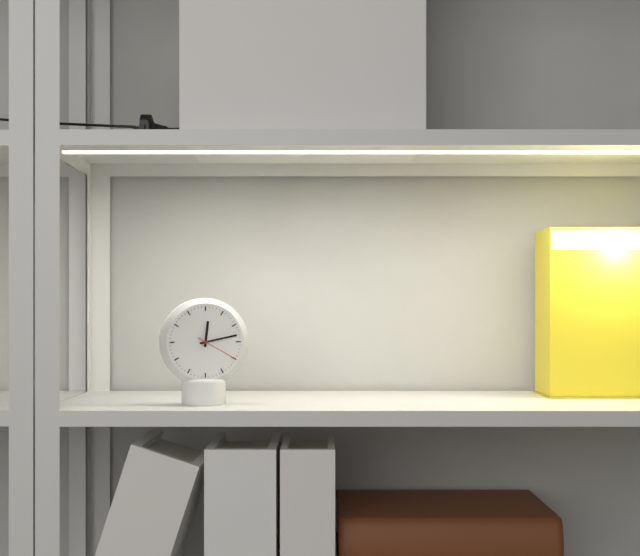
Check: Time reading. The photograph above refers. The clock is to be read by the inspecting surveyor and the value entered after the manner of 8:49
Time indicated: 12:13
